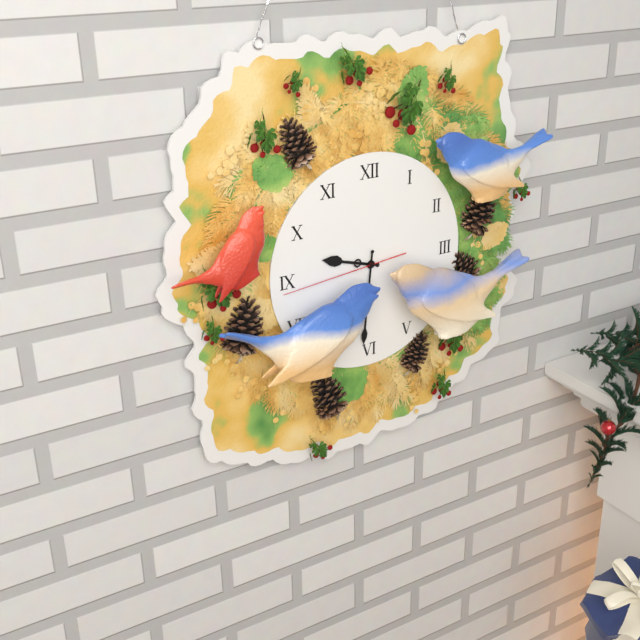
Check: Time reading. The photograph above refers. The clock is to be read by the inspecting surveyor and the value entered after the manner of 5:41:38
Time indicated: 9:31:44
